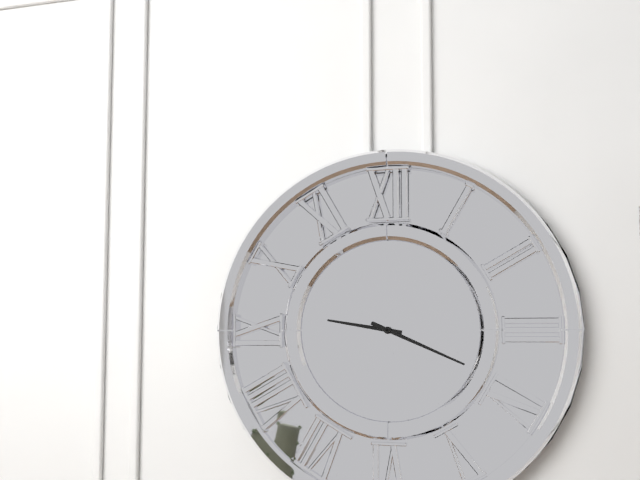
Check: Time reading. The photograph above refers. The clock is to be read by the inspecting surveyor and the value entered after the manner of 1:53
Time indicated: 9:19
